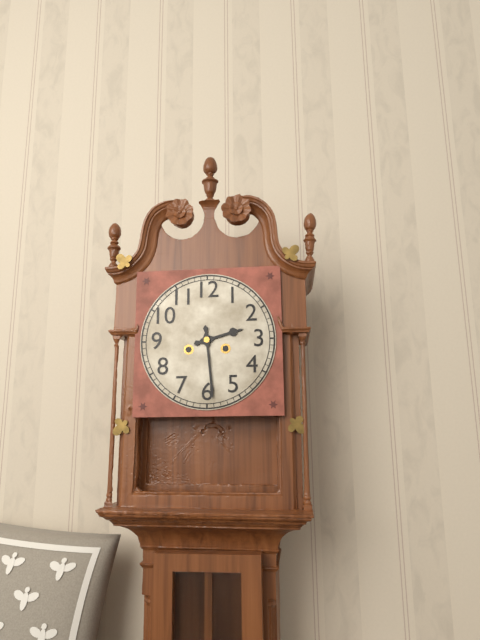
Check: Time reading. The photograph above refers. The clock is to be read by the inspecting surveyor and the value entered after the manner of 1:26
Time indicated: 2:29
